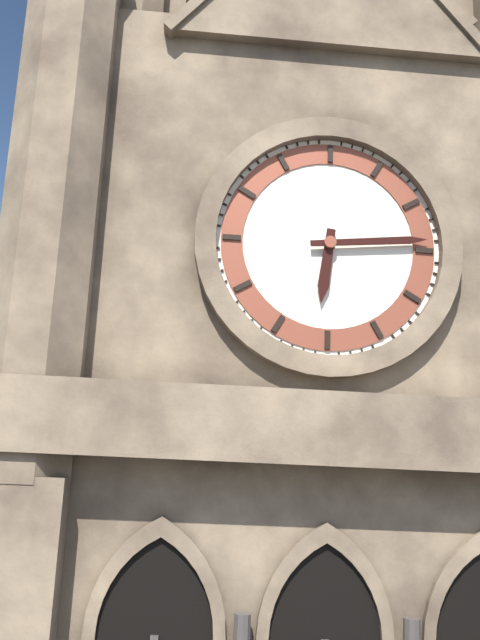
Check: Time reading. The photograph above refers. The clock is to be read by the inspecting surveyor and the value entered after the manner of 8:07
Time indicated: 6:14
